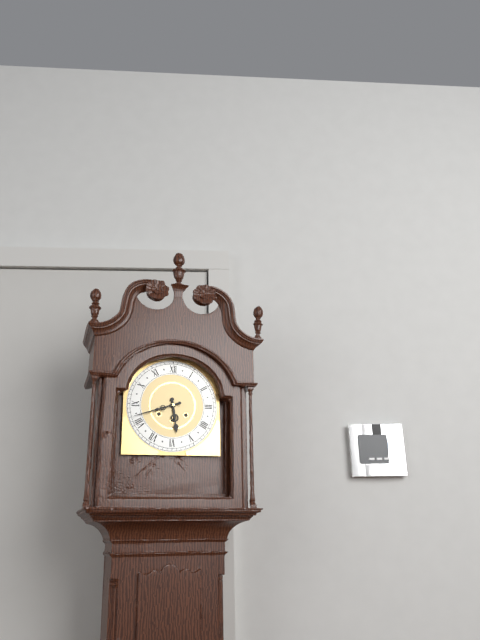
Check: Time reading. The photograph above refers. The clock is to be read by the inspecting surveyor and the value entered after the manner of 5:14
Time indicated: 5:42
